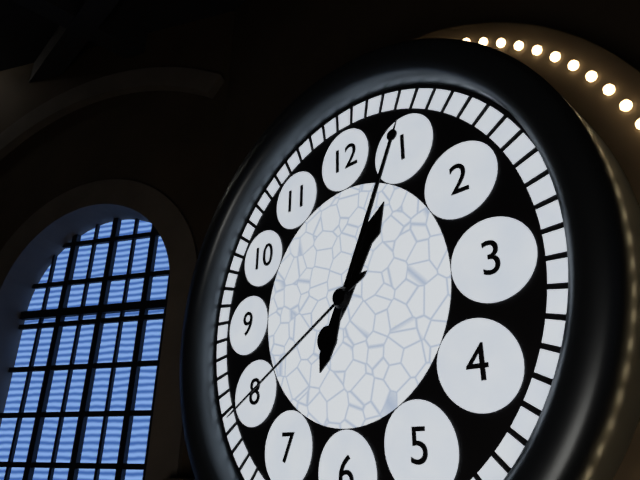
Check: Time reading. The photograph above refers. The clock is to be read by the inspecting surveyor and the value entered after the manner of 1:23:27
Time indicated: 1:04:40
